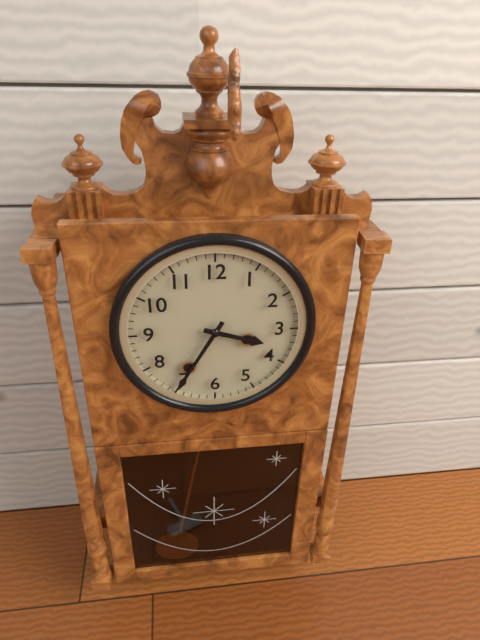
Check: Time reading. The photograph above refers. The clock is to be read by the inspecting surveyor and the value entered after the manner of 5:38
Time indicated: 3:35
